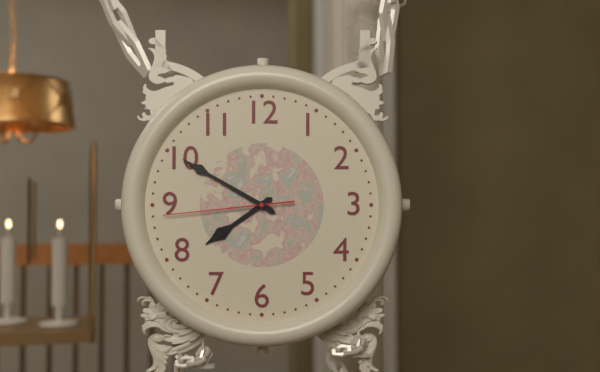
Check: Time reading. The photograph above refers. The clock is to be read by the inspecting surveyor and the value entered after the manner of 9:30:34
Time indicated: 7:50:44
